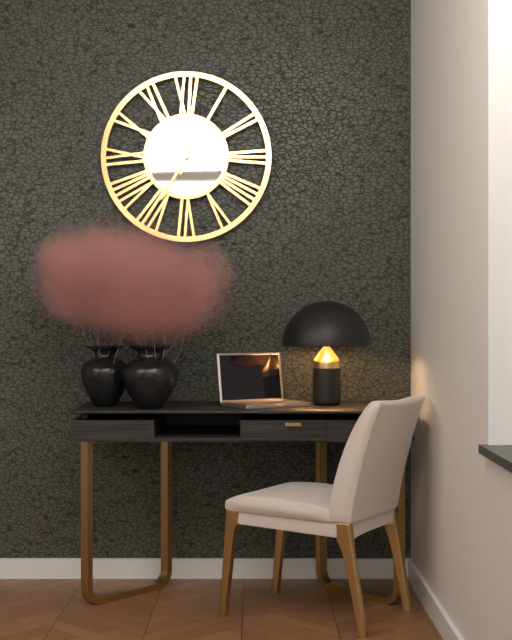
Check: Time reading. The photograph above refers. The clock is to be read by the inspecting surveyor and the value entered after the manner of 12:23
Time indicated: 12:35
